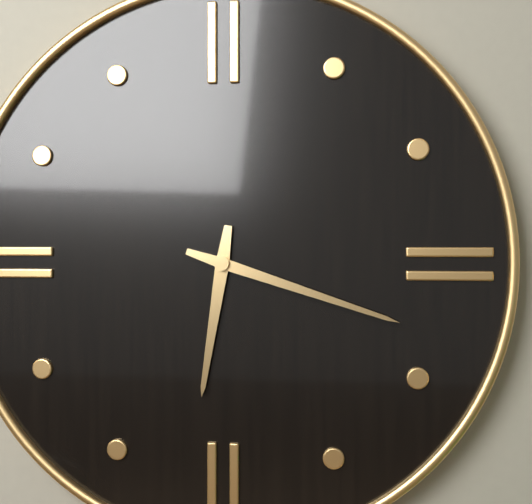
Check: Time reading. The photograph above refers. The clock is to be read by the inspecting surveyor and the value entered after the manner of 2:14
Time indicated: 6:18
